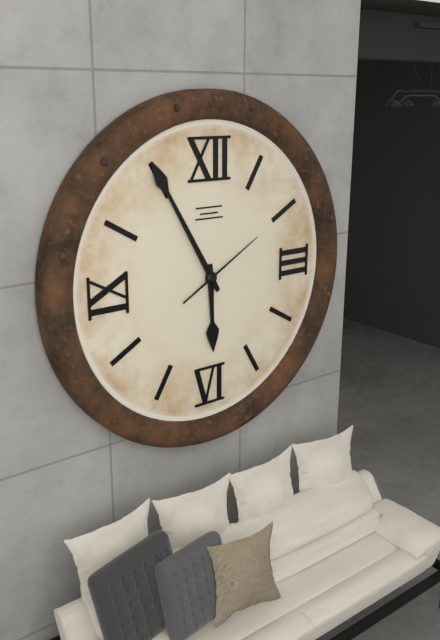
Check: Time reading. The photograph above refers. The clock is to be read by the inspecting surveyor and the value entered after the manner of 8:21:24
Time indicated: 5:55:10
